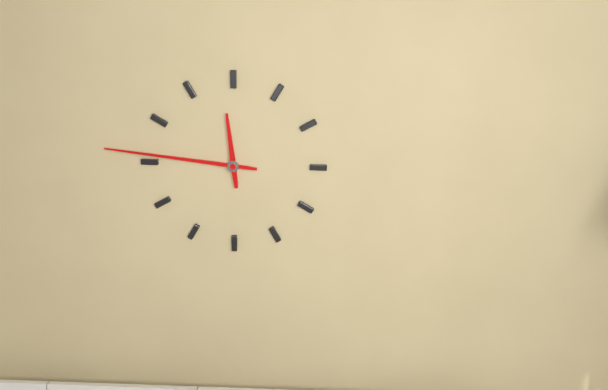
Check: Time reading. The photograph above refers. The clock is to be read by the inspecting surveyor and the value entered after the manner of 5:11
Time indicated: 11:46
